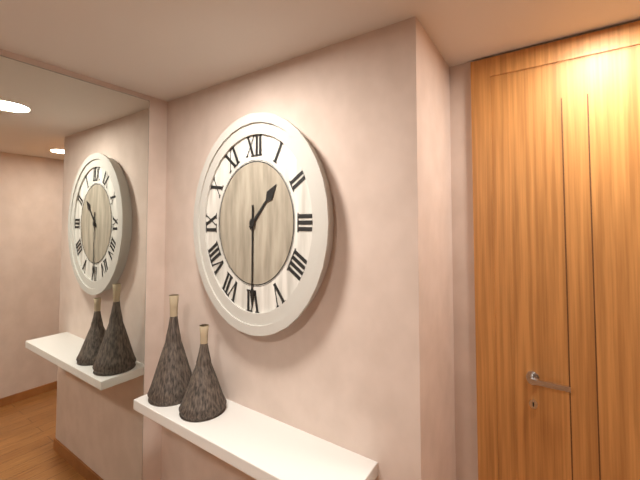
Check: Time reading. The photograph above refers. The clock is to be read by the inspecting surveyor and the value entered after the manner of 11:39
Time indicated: 1:30
